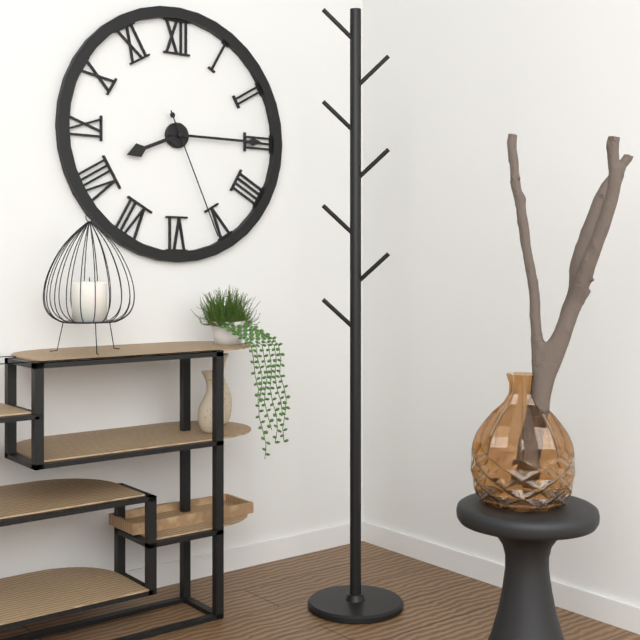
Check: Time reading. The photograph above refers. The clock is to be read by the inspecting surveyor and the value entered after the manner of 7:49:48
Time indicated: 8:15:26
